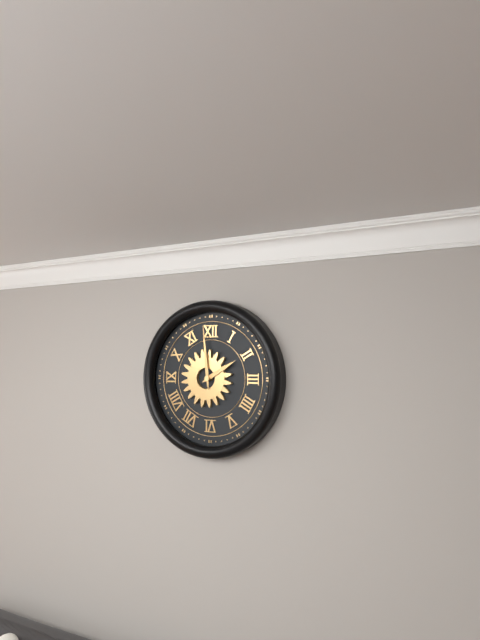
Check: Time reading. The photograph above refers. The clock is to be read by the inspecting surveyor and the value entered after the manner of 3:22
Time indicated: 1:59
